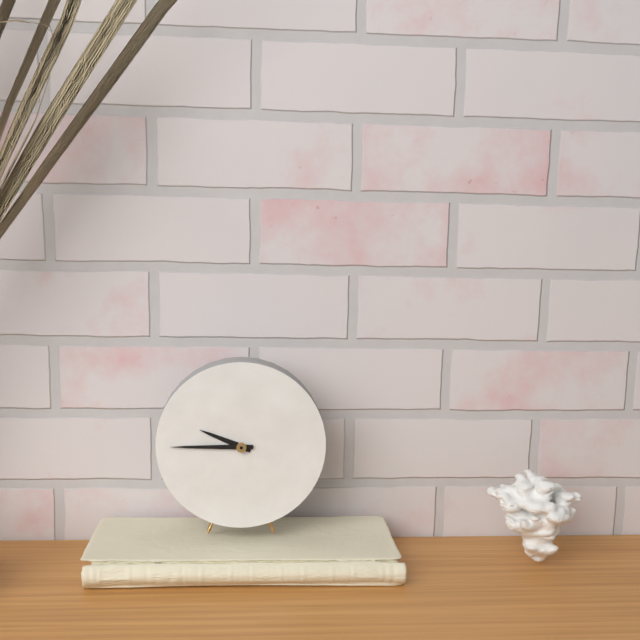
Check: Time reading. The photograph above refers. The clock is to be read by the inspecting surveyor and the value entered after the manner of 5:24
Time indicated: 9:45
